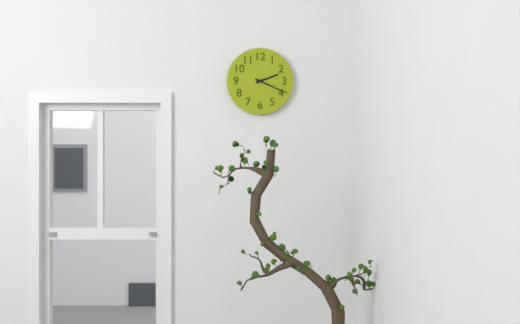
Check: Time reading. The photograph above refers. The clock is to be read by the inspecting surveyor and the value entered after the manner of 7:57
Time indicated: 2:19
